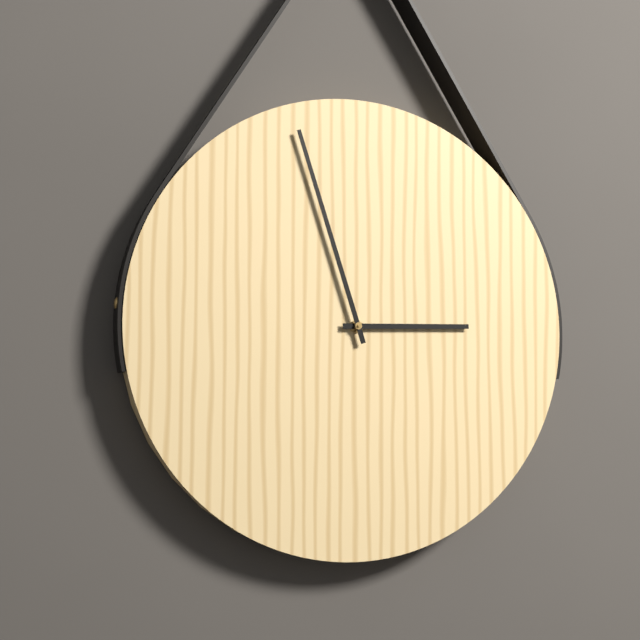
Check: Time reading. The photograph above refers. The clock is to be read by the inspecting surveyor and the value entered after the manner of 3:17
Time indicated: 2:57
